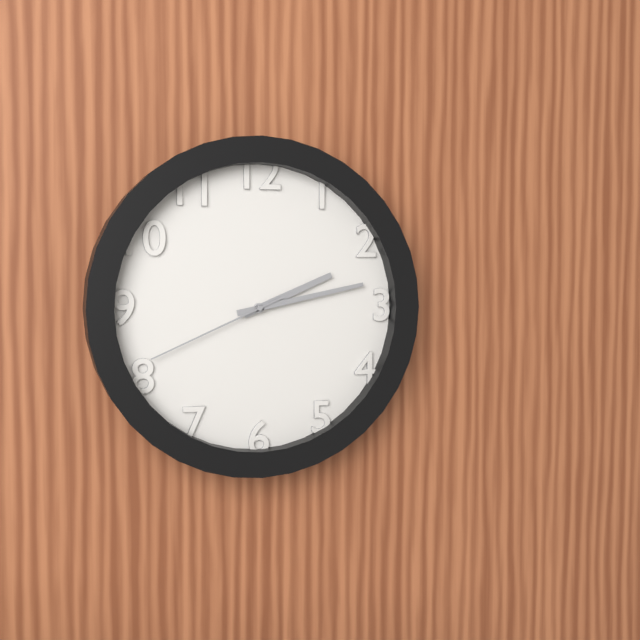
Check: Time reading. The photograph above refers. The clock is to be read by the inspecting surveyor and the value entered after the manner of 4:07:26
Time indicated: 2:13:41
